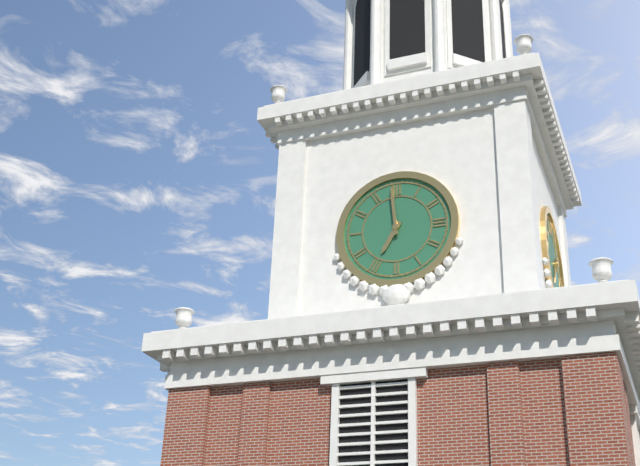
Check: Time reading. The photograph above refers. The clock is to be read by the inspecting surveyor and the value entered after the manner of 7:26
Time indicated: 6:59
